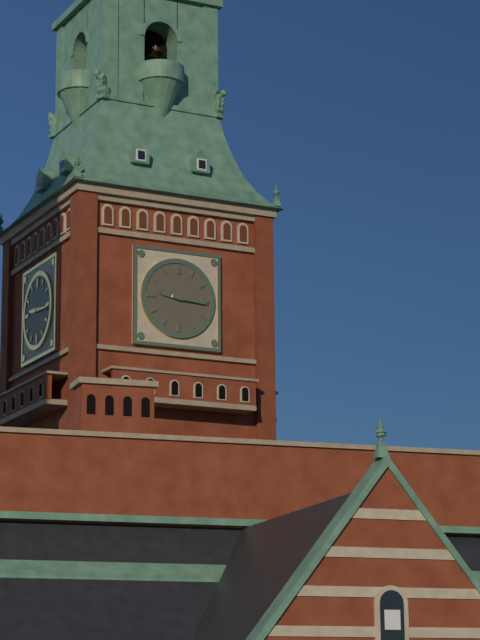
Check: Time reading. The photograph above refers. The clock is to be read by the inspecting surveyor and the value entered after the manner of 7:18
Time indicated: 9:16
